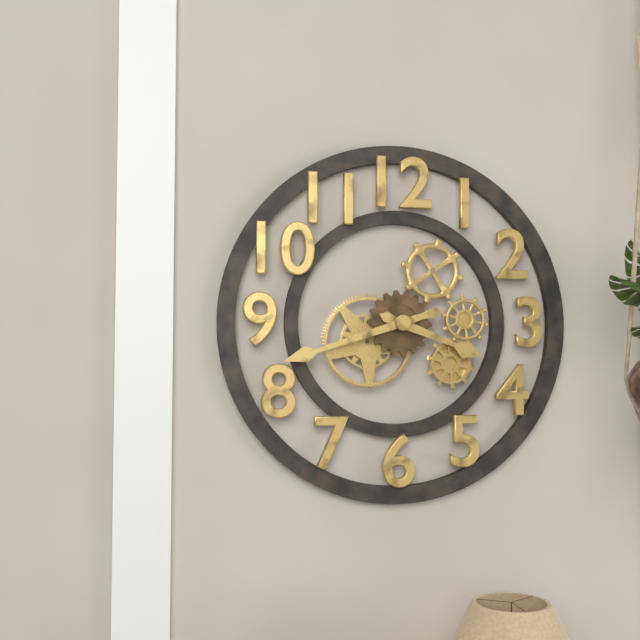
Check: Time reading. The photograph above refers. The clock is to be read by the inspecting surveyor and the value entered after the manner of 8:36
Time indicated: 3:42
